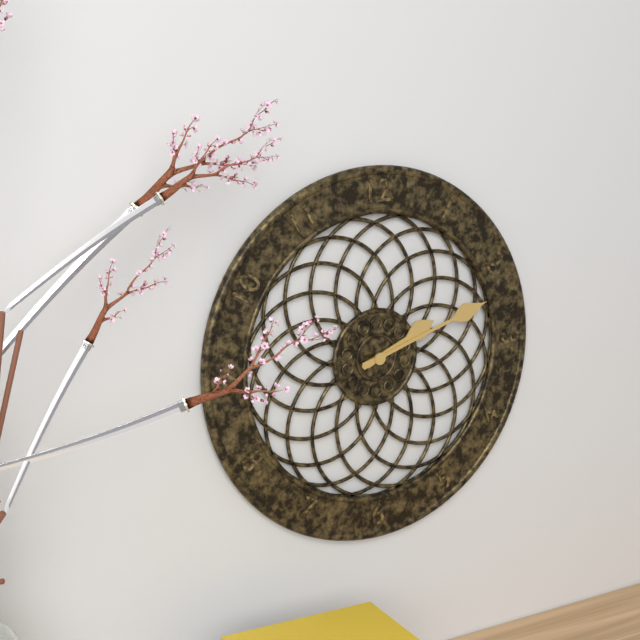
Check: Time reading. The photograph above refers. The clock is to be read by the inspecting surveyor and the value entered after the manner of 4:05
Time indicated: 2:12
